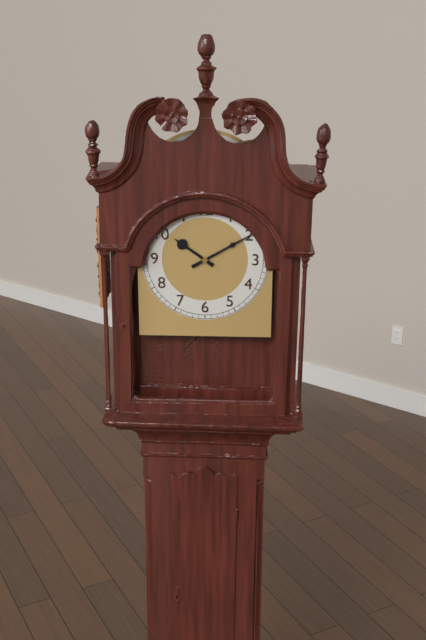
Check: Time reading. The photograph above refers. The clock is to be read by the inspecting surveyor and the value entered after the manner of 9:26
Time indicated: 10:10
